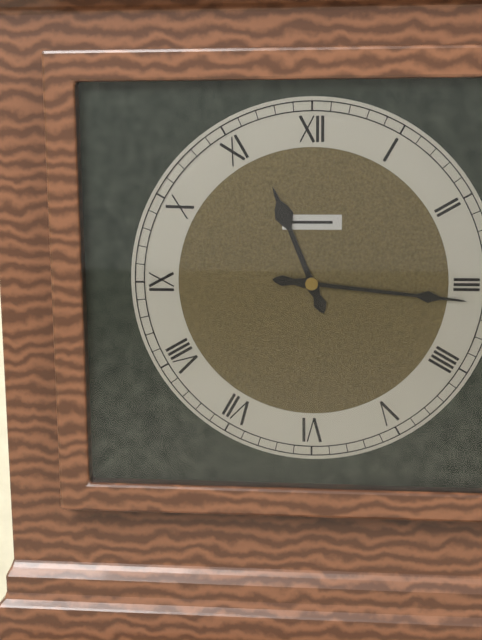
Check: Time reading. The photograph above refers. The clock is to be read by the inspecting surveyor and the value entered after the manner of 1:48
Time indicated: 11:16
